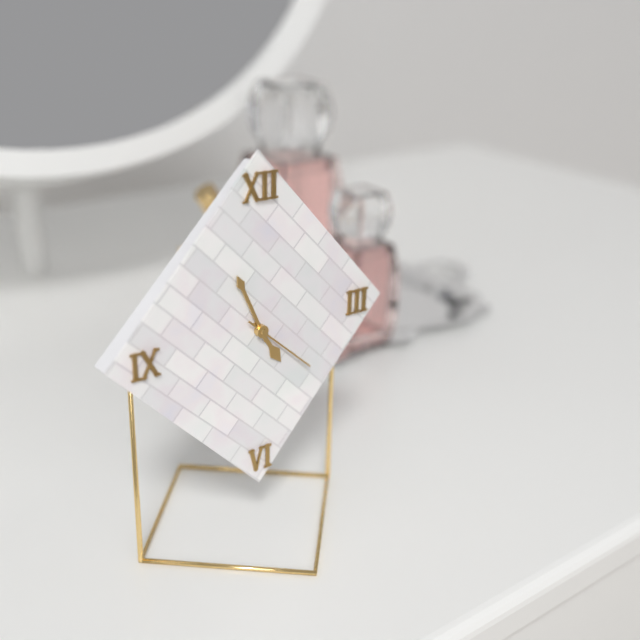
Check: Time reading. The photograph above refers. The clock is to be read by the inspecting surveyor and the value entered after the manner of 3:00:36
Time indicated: 4:56:22
